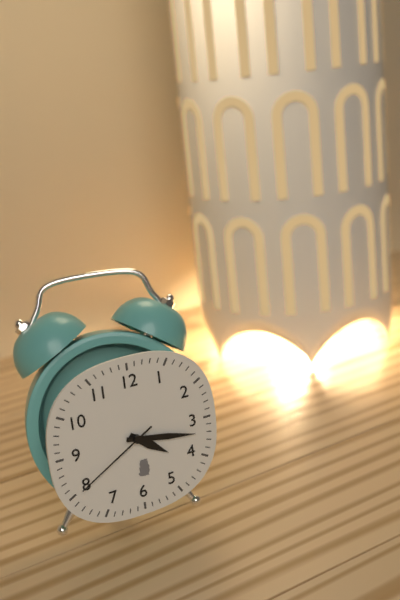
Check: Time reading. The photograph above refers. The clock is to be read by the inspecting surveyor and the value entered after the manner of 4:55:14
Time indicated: 4:17:40
